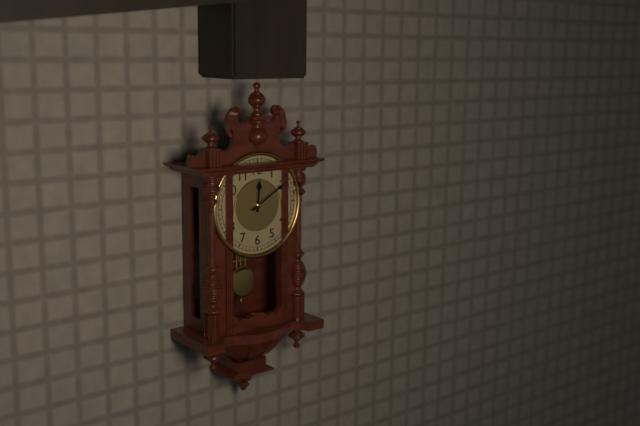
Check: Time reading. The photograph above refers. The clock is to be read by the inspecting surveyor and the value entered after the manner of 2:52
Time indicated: 12:10
